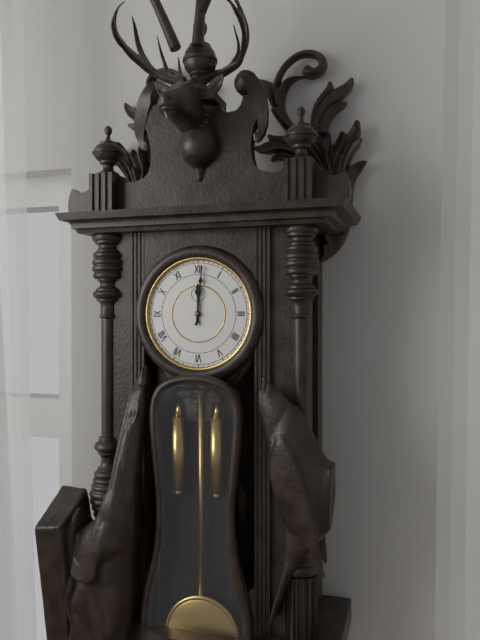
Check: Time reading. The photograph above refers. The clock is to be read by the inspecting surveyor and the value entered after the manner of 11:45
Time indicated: 12:01
